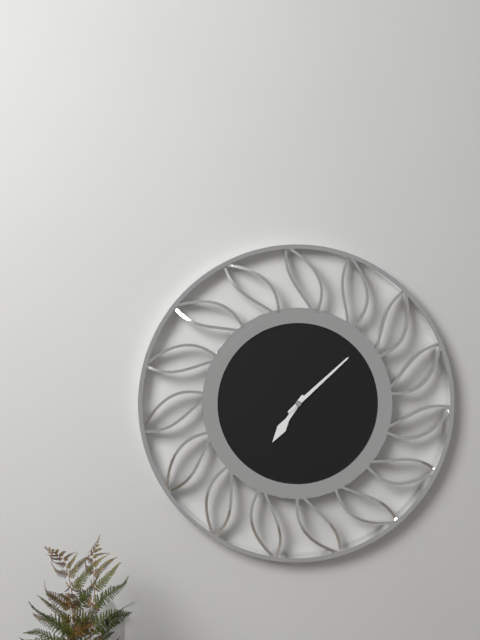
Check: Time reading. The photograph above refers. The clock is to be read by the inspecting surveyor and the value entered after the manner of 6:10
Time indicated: 7:08
